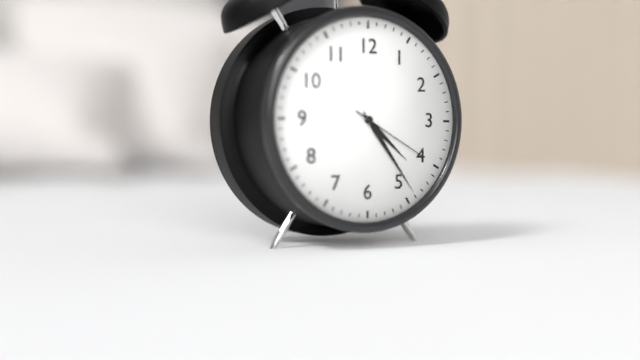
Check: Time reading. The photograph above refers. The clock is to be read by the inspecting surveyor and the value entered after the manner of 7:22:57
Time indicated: 4:24:20
